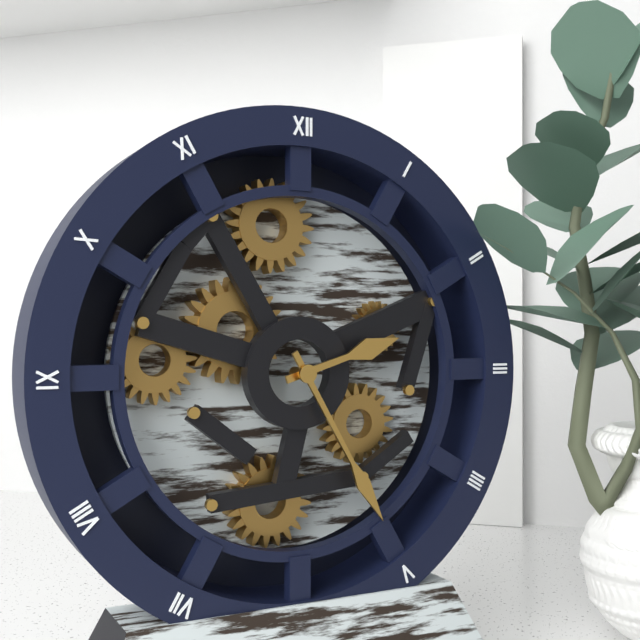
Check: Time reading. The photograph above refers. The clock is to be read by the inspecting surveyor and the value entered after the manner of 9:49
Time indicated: 2:25
